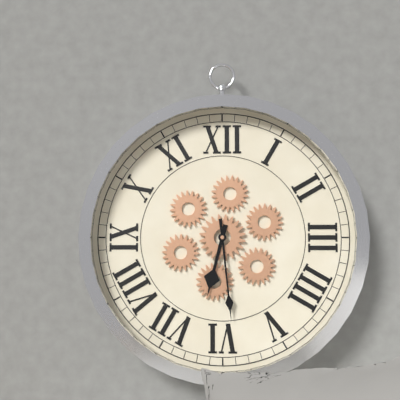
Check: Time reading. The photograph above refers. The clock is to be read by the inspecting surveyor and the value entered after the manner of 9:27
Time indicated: 6:29
